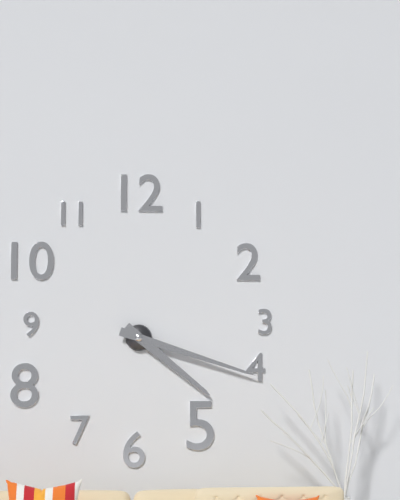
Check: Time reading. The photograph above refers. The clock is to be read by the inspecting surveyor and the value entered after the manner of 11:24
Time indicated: 4:18
